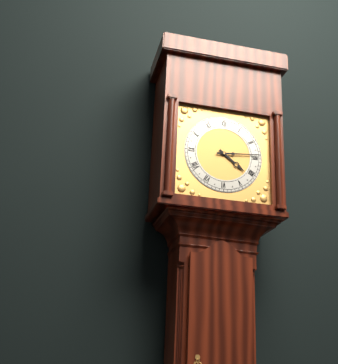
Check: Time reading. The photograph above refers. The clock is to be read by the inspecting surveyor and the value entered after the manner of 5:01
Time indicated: 4:14
